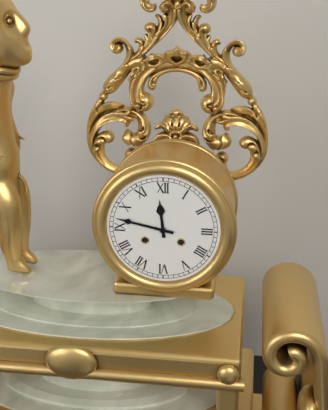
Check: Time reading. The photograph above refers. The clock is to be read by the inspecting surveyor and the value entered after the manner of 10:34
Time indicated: 11:47
